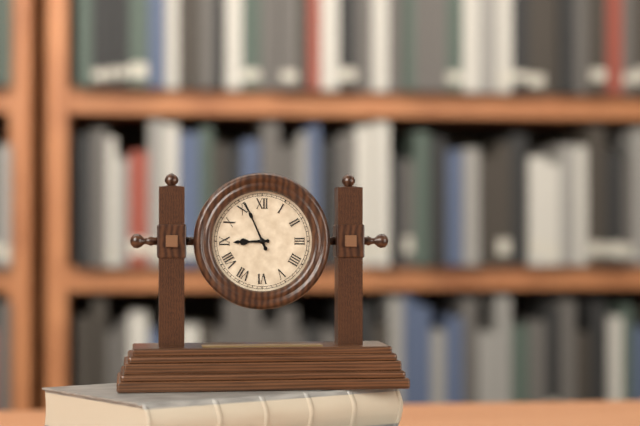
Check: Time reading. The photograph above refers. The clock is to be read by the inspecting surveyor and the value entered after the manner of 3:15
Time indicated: 8:56
